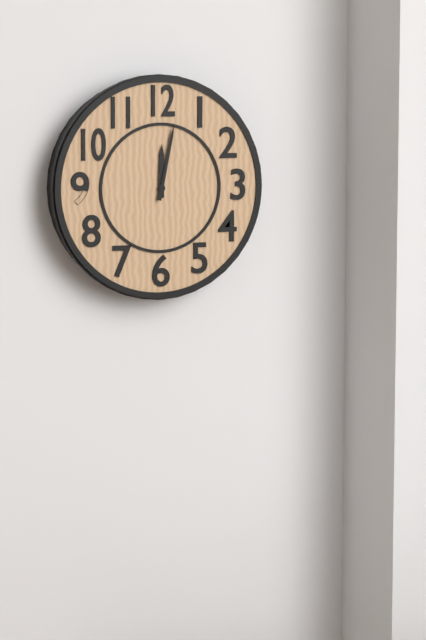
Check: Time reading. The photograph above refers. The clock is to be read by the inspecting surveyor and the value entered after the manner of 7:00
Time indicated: 12:02
